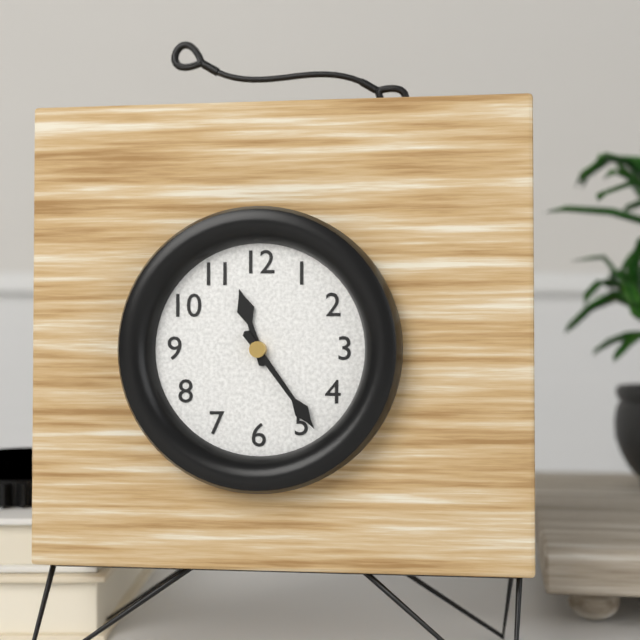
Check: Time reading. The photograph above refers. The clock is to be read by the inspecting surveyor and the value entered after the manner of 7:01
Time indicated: 11:24
